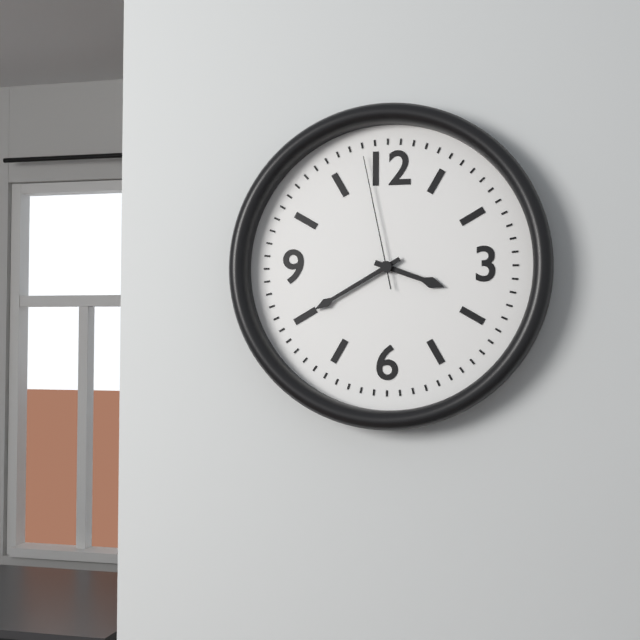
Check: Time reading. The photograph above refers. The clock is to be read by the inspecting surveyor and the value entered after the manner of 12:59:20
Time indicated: 3:40:58
